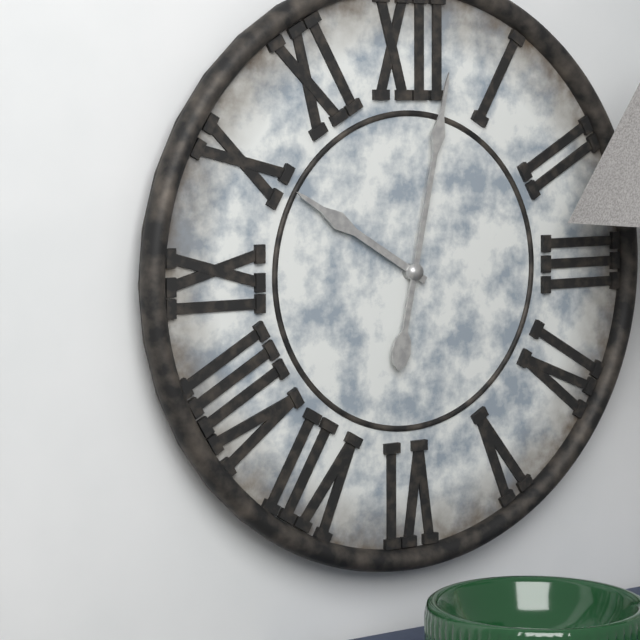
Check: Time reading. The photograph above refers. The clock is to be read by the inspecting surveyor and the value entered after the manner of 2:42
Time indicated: 10:02
